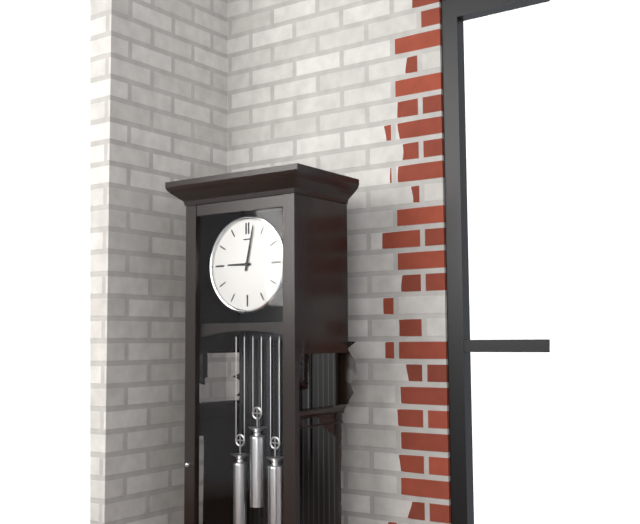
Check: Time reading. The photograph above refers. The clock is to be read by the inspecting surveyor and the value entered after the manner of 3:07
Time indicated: 9:02
